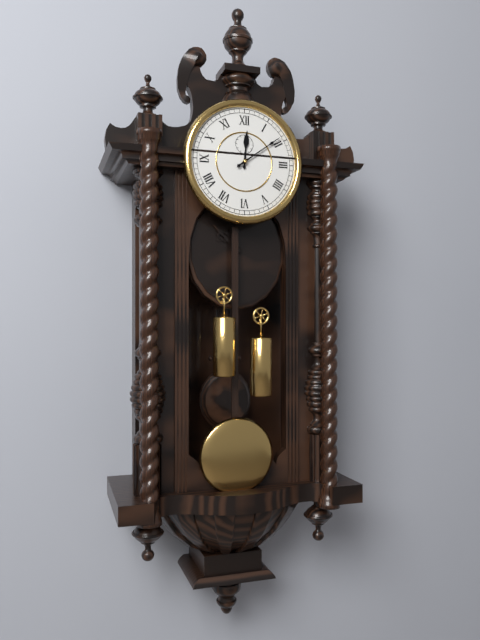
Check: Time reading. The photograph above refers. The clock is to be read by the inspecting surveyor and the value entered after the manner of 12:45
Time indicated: 12:09
